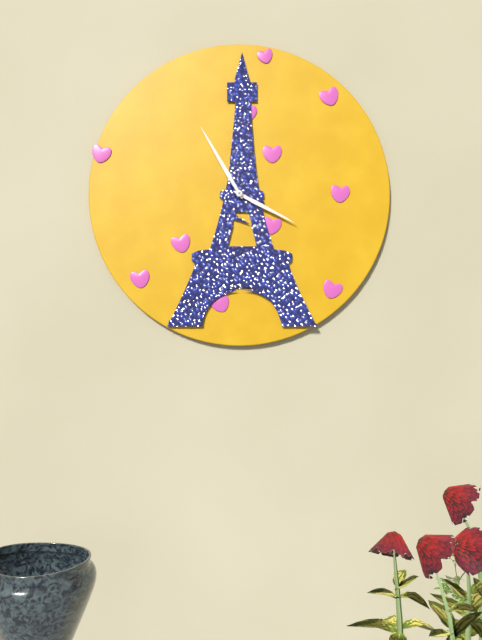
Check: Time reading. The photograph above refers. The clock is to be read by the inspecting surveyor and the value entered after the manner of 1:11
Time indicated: 3:55
